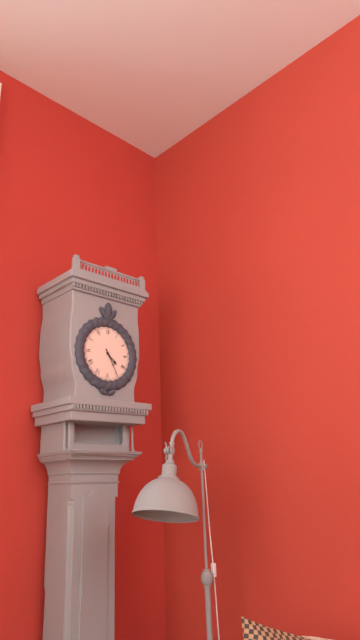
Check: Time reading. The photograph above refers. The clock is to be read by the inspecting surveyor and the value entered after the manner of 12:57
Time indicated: 4:25
